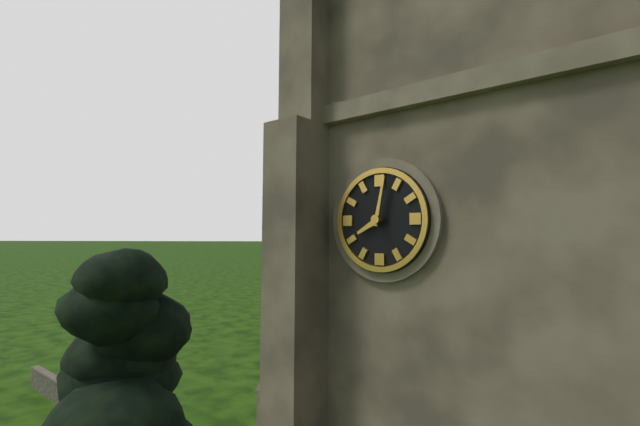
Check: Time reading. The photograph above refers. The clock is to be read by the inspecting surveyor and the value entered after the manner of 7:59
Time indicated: 8:02
